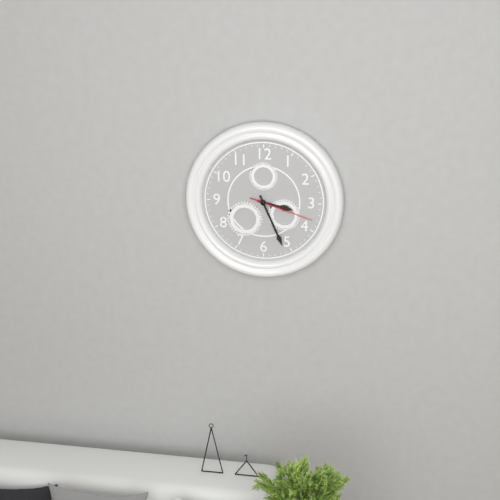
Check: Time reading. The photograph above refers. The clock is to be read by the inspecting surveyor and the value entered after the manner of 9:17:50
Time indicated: 3:26:18
